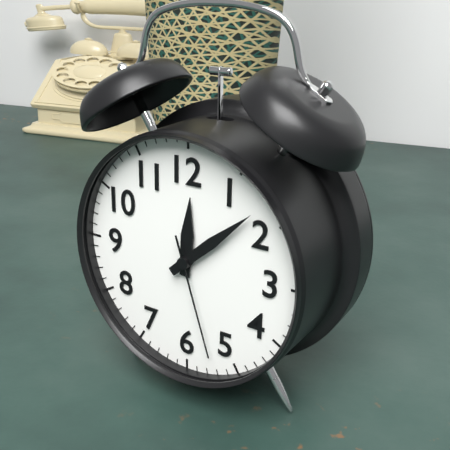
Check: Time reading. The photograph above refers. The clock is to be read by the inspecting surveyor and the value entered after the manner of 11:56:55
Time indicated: 12:08:27
